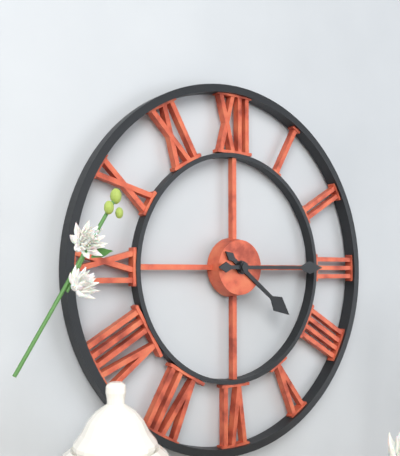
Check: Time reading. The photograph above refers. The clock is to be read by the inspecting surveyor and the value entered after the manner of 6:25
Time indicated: 4:15
